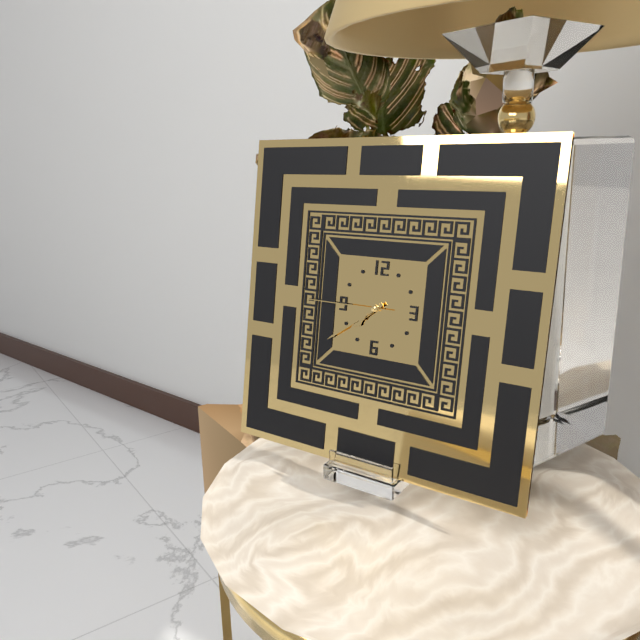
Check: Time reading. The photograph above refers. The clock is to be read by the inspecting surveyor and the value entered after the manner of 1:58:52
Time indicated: 7:39:45
